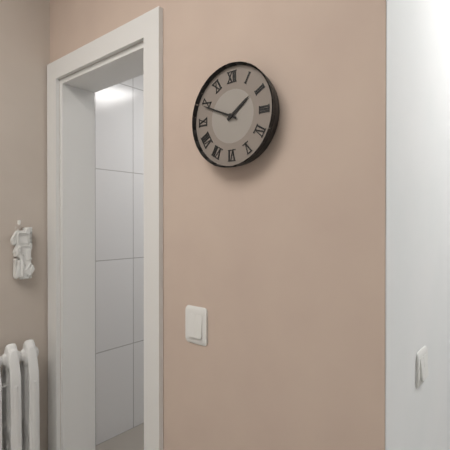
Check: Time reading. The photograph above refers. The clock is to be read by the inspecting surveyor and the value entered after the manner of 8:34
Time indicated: 1:49
